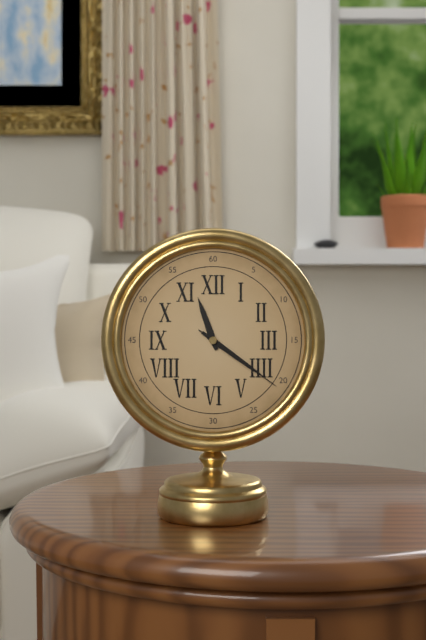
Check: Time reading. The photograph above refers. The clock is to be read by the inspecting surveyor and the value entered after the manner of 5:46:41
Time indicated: 11:21:21
